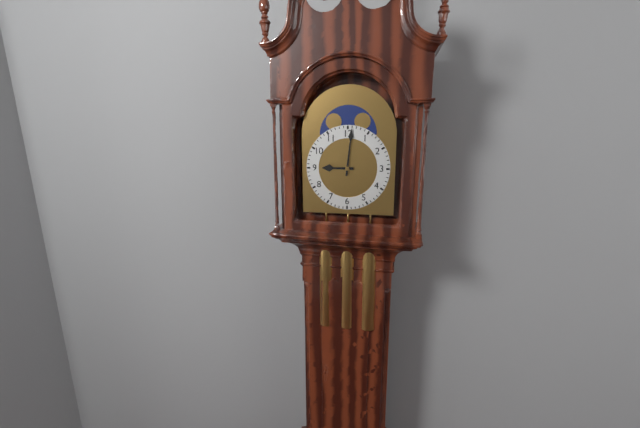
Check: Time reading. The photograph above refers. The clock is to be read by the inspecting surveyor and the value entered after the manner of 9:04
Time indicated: 9:01
